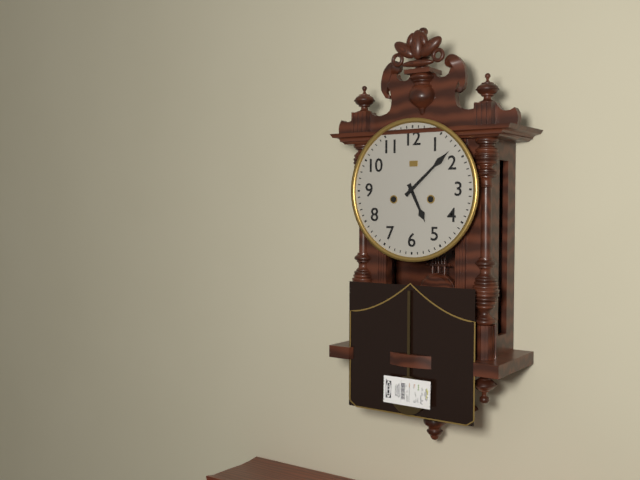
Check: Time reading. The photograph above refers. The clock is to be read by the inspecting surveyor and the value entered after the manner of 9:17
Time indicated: 5:08
